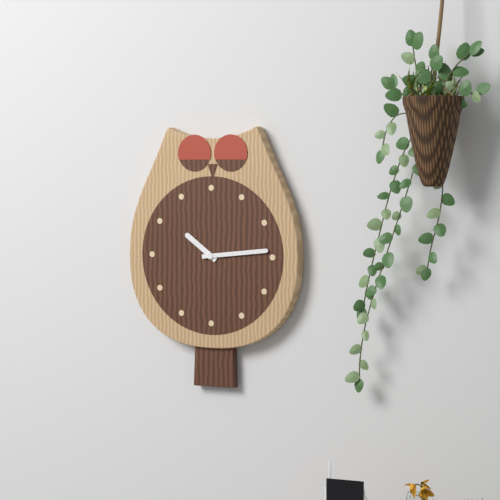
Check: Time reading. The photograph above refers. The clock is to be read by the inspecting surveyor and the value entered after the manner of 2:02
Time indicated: 10:14
